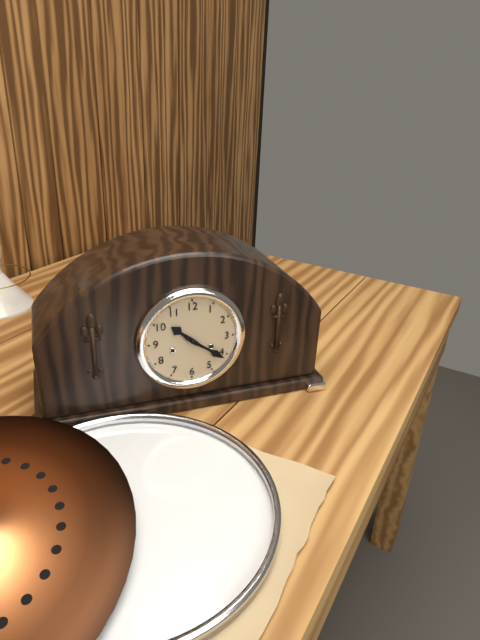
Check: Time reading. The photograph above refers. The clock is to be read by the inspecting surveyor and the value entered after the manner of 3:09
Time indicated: 10:21
